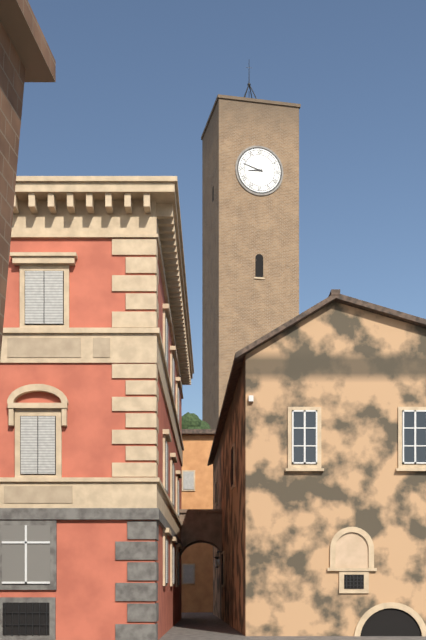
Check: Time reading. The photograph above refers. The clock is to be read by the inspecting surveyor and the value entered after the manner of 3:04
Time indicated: 8:48
